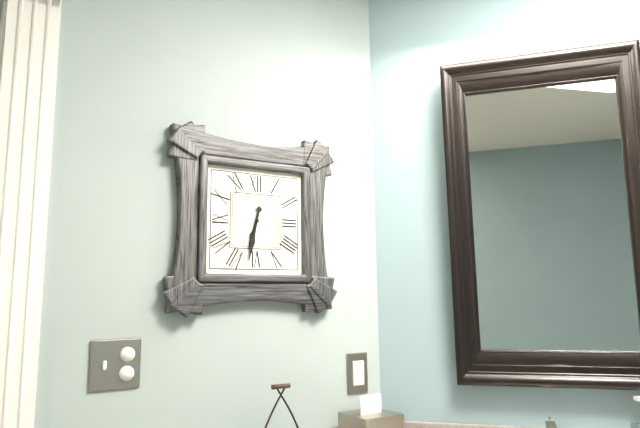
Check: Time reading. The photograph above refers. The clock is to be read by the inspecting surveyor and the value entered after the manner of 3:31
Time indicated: 6:32
